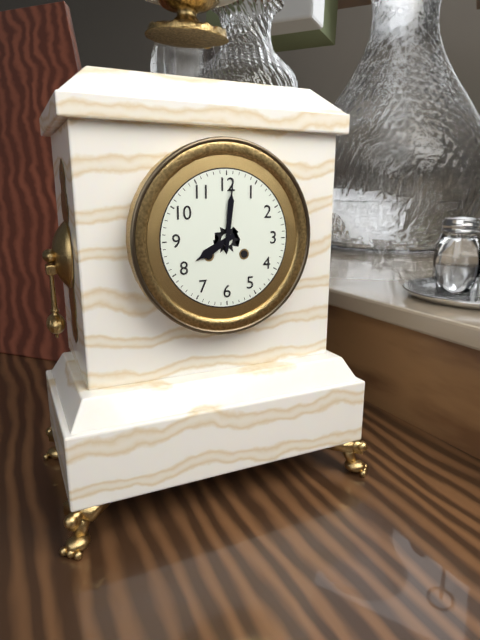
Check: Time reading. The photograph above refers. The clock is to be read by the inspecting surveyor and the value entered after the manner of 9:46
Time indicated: 8:01
